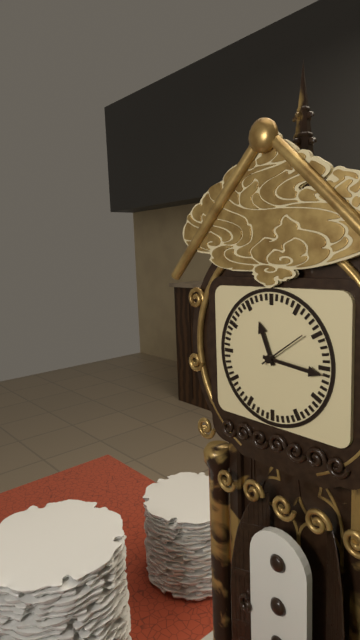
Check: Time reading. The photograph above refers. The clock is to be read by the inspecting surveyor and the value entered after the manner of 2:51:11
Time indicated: 11:16:09
